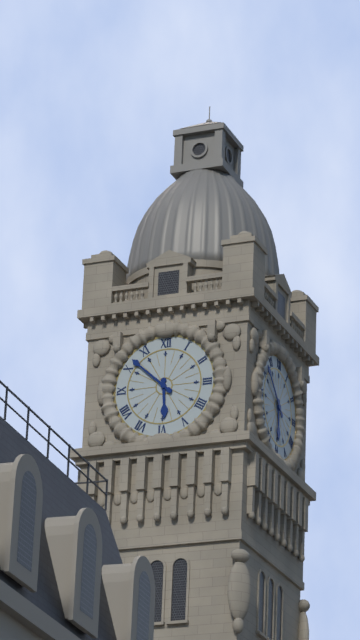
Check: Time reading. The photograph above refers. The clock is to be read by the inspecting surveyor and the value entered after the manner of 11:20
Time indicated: 5:52
